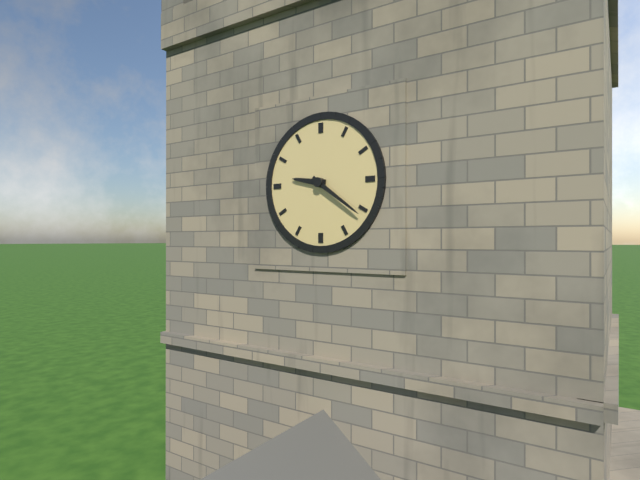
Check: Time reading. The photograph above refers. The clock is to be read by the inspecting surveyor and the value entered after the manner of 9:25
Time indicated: 9:21
